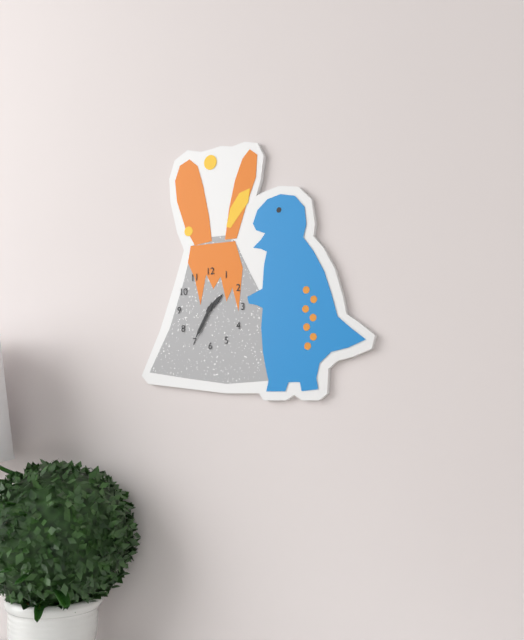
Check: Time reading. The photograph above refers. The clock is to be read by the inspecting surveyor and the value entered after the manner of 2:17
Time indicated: 1:35
